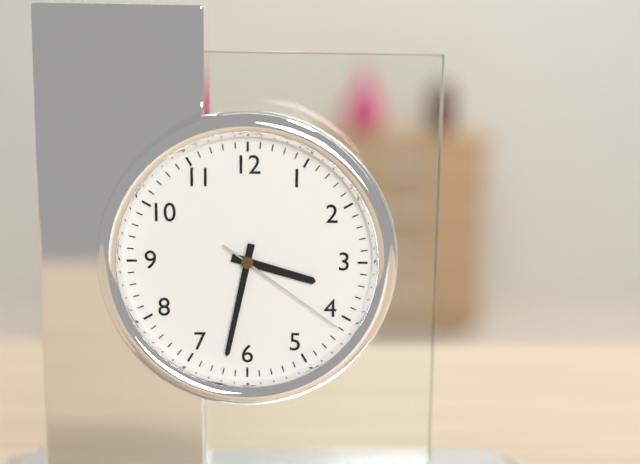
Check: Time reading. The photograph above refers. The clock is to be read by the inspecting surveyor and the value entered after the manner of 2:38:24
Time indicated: 3:32:21
